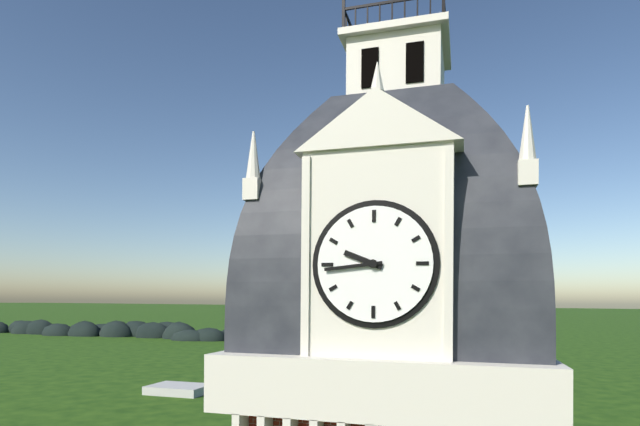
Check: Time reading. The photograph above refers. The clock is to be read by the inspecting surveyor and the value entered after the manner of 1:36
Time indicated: 9:44
